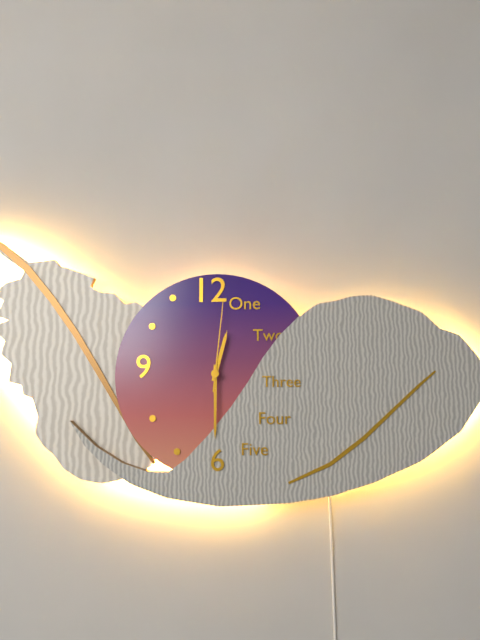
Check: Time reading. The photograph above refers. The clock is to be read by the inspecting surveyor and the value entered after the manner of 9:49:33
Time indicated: 12:30:01
